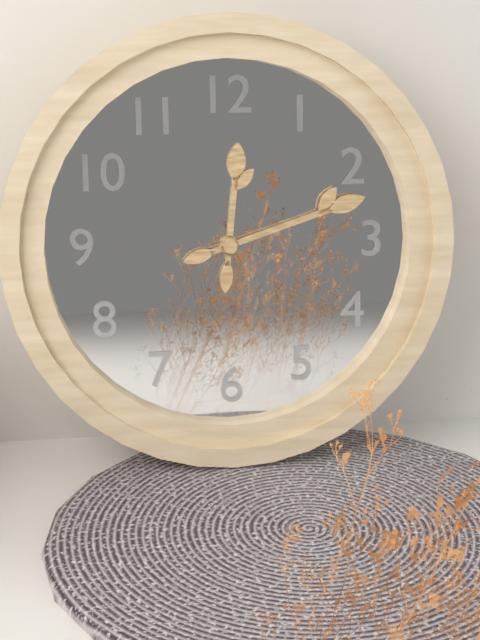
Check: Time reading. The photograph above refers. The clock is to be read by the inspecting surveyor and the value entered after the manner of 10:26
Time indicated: 12:12
